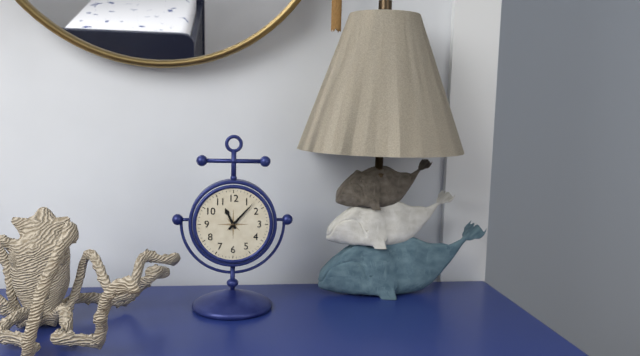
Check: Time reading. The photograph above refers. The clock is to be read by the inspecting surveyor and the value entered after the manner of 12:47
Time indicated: 11:07
